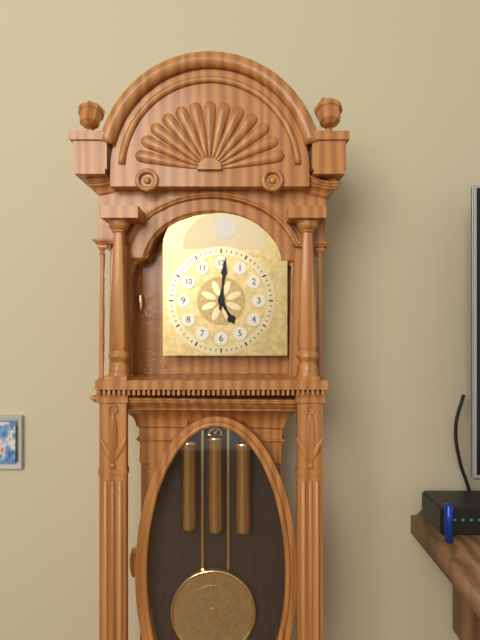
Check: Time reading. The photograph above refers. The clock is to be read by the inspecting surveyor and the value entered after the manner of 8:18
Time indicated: 5:01
